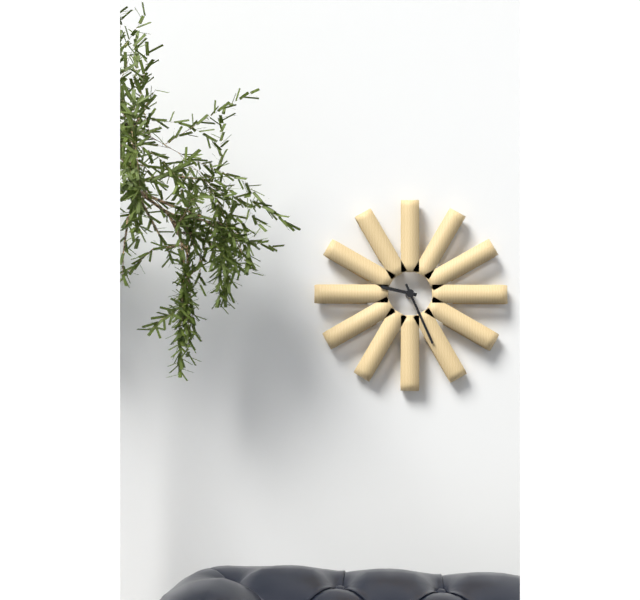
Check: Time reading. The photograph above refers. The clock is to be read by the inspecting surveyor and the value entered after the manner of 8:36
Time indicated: 9:26
